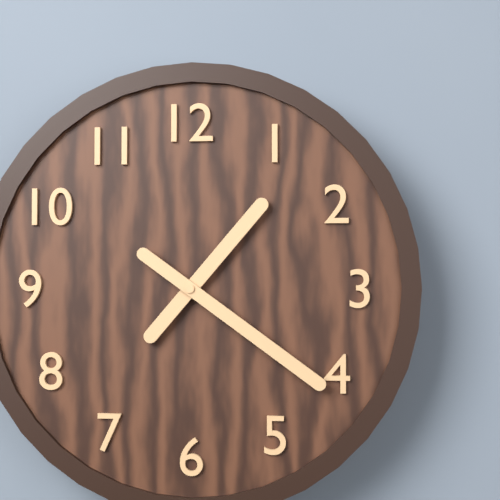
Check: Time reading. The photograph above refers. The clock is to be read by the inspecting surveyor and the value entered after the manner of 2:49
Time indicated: 1:21
